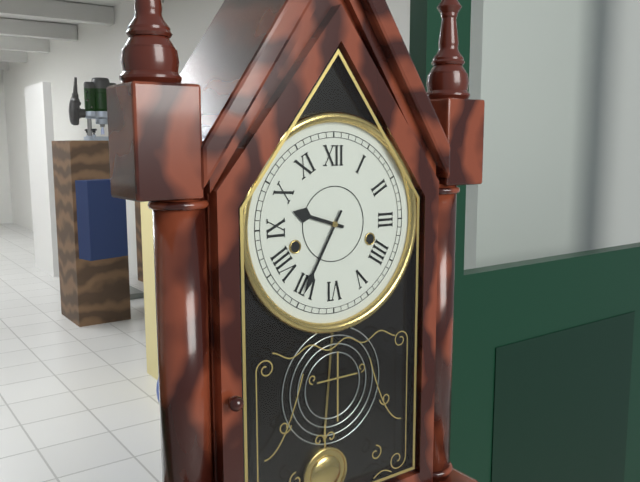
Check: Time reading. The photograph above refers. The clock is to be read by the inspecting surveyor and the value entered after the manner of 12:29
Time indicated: 9:35
